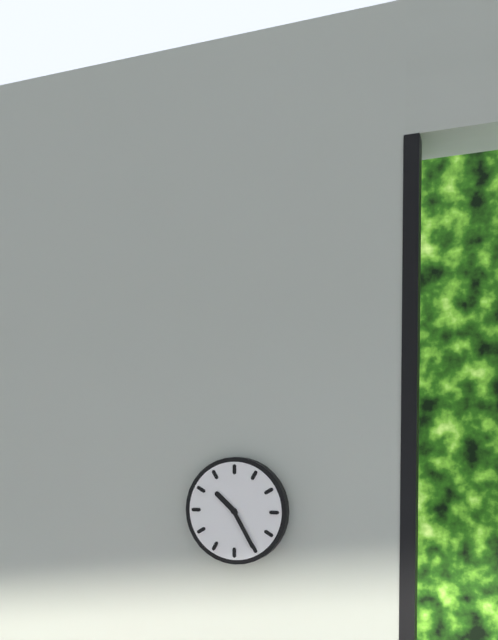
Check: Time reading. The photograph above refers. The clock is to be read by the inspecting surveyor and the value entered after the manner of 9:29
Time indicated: 10:25
